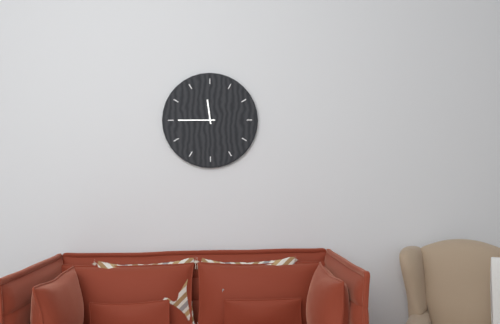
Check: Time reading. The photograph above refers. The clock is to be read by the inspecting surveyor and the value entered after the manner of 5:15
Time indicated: 11:45
